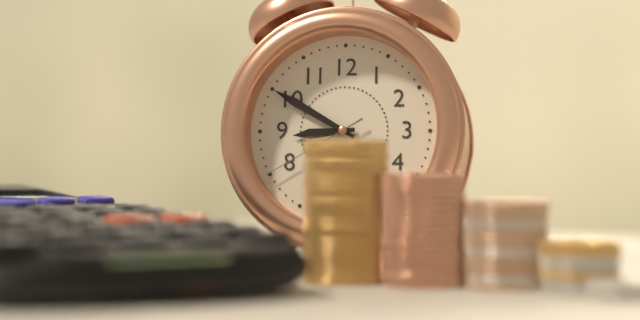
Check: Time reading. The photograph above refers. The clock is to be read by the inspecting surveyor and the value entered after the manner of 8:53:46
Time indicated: 8:50:40
